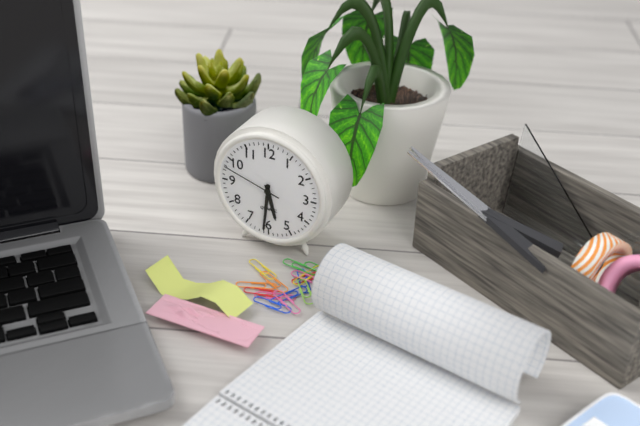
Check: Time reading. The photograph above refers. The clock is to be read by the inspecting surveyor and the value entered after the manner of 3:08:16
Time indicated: 5:31:48
